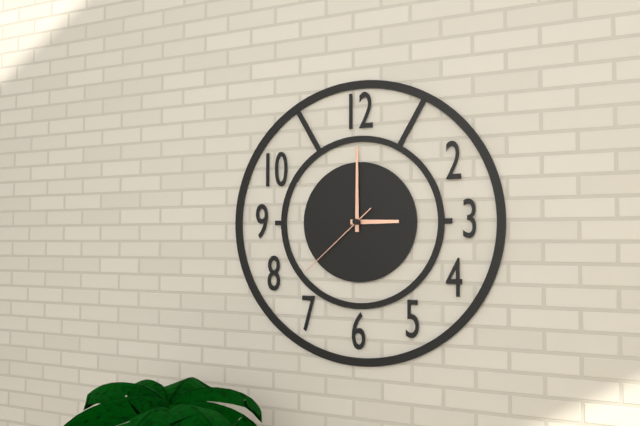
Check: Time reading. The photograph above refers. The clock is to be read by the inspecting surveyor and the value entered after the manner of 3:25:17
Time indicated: 3:00:38
